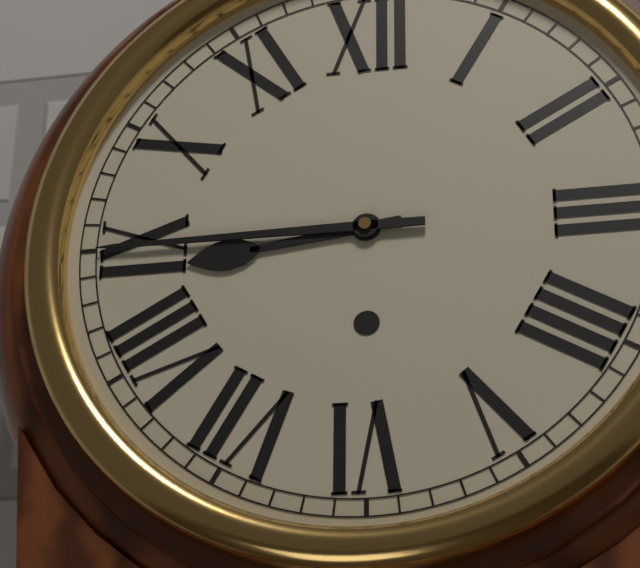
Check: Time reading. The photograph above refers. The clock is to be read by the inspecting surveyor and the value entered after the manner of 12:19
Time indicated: 8:45
